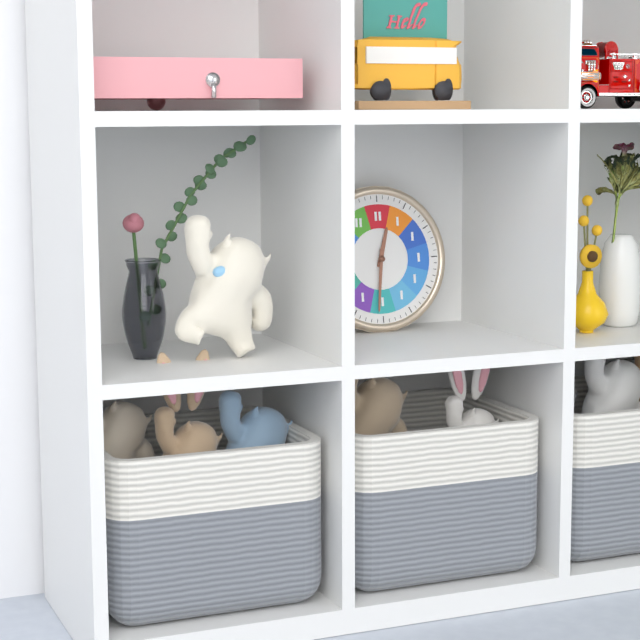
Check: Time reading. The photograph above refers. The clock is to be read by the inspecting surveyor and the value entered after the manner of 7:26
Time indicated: 12:31
